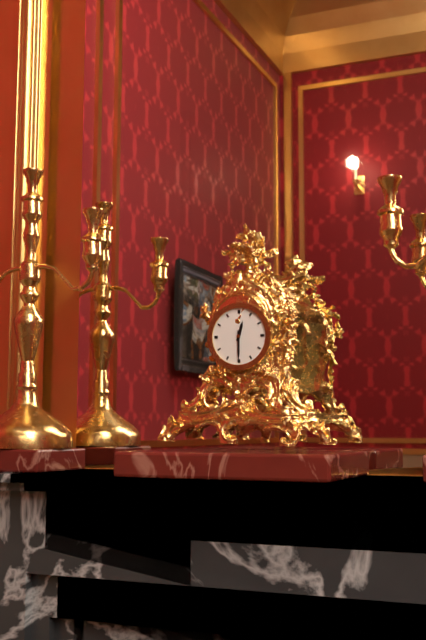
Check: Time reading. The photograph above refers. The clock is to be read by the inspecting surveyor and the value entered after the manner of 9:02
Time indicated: 12:30
